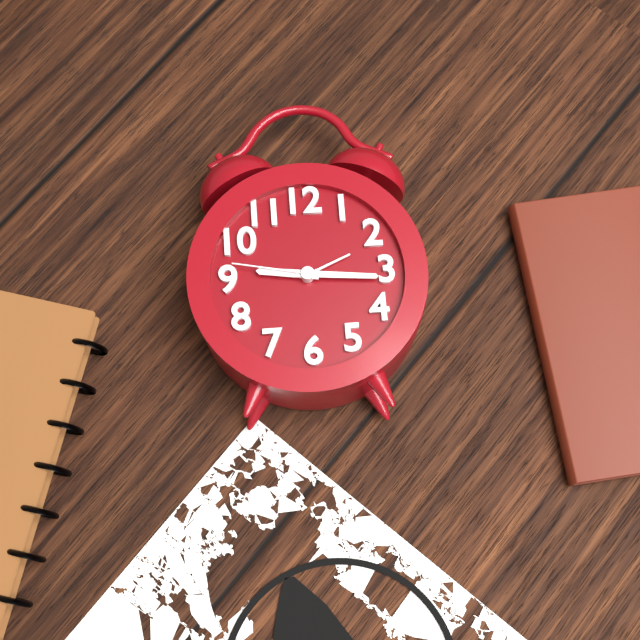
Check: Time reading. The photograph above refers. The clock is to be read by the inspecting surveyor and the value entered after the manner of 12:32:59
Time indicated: 9:16:47
